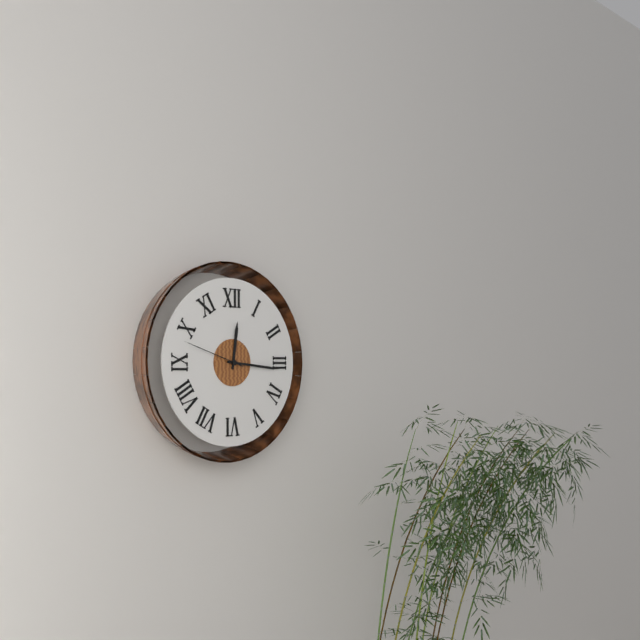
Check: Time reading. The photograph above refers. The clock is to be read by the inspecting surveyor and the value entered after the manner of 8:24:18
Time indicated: 12:16:48
